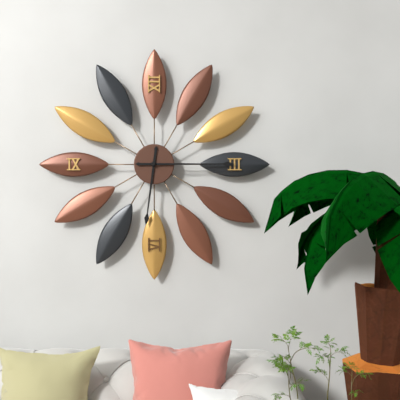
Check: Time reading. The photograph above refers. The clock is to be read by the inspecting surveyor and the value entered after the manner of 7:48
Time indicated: 6:15
